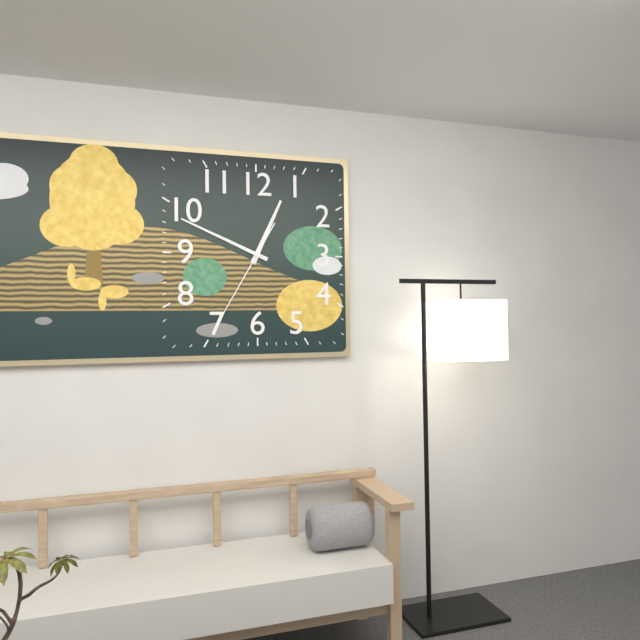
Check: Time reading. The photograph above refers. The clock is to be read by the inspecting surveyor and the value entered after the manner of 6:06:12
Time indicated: 12:49:35
